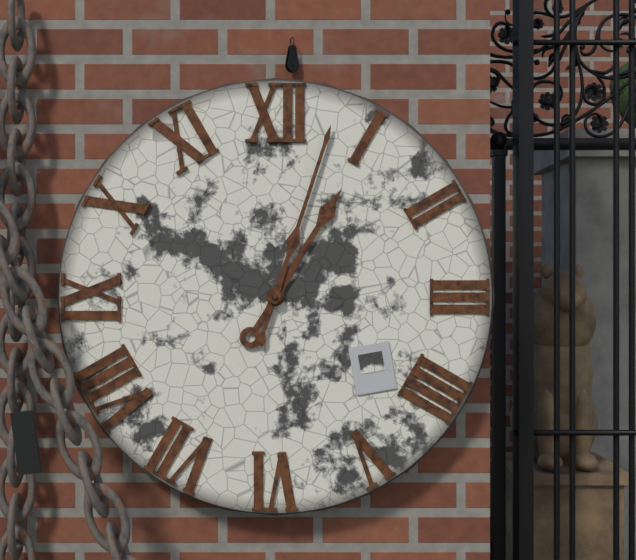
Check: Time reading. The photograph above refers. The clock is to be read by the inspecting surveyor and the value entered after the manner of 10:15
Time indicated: 1:03
